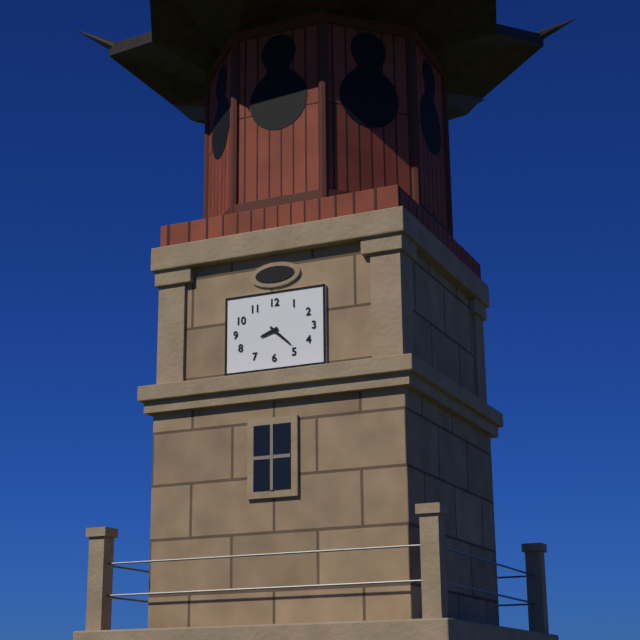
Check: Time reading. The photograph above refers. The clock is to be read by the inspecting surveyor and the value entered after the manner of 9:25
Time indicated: 8:22
